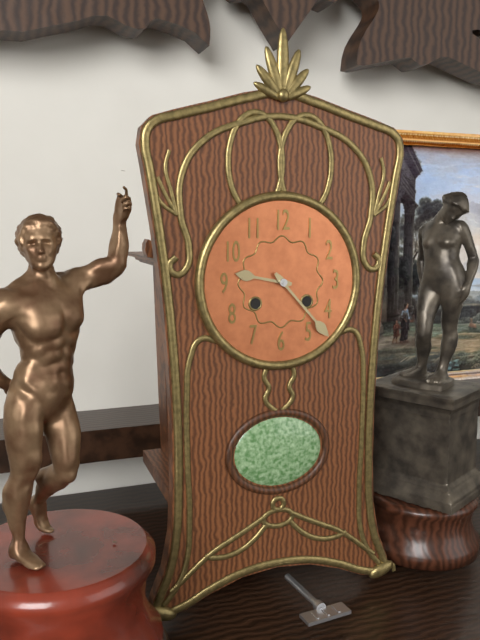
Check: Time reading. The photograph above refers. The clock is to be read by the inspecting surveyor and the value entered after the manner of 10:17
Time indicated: 9:23
